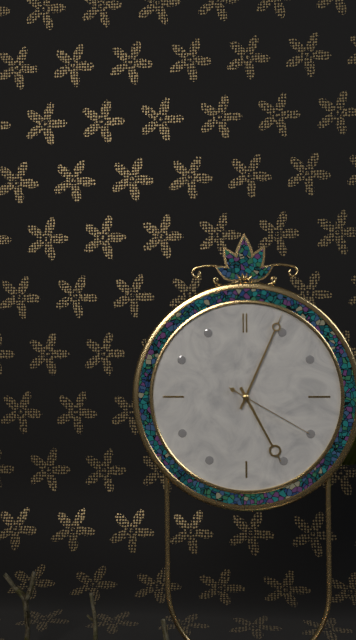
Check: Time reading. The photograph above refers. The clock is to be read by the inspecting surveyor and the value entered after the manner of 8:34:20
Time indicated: 5:04:20
